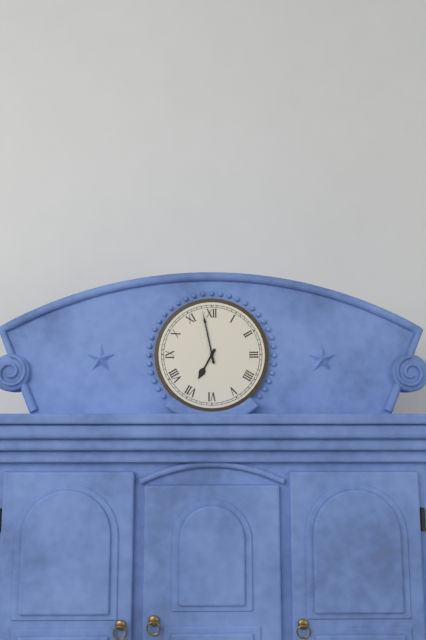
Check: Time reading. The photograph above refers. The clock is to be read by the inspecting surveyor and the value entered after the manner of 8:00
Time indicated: 6:58
